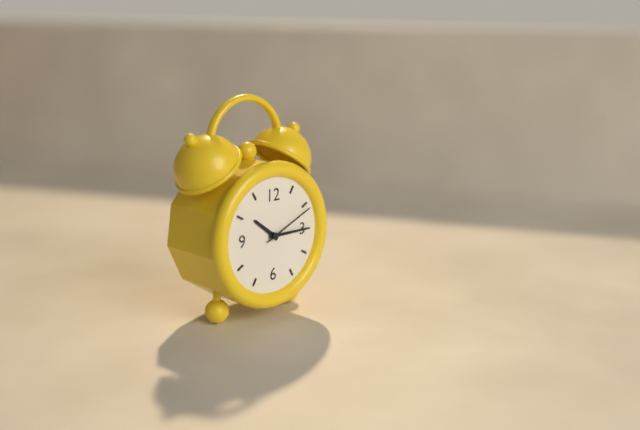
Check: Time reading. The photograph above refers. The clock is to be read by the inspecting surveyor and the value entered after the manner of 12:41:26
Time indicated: 10:15:11
